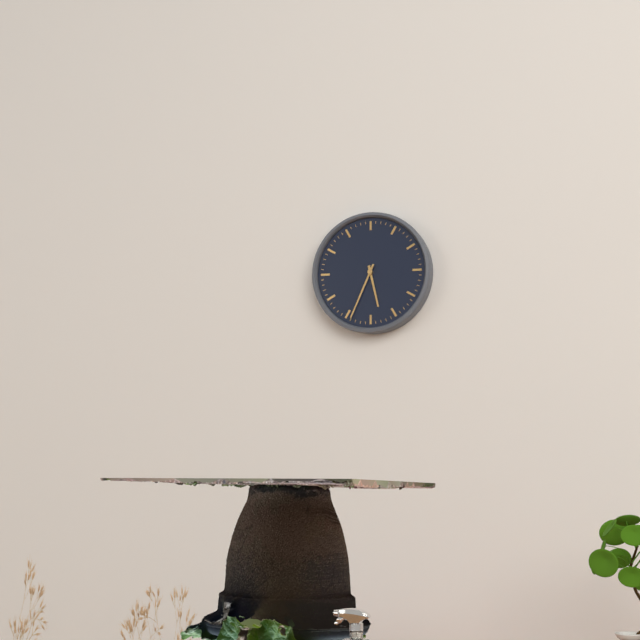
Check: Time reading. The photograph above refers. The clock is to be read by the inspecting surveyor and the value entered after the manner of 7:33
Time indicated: 5:34
